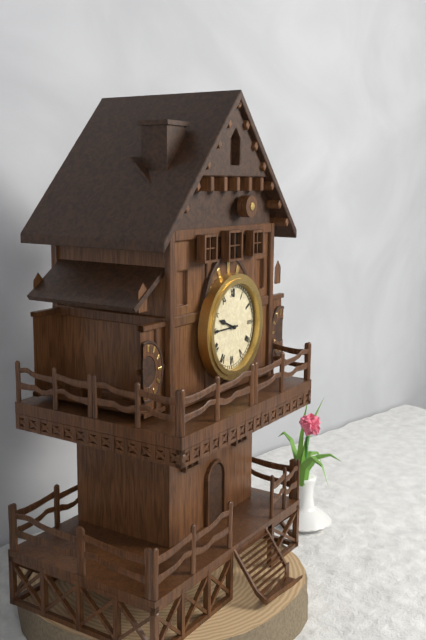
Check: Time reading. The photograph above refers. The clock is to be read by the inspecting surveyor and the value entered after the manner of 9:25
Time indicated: 9:45
